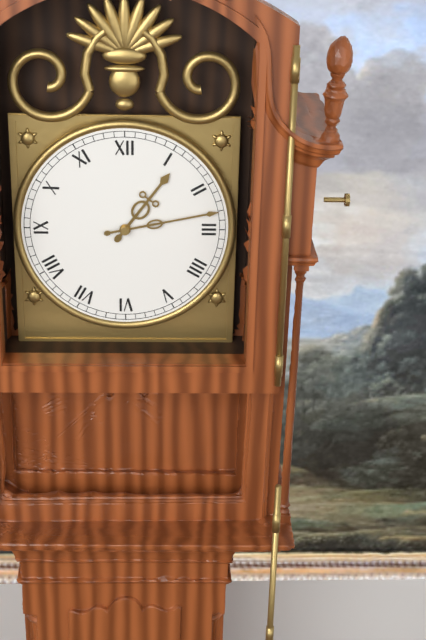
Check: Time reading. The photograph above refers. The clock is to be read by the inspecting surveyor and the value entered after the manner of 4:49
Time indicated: 1:13
